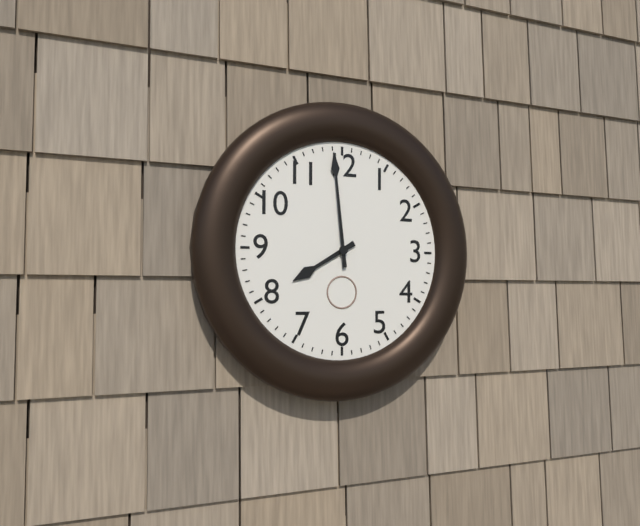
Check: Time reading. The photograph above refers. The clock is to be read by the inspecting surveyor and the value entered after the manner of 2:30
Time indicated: 7:59
